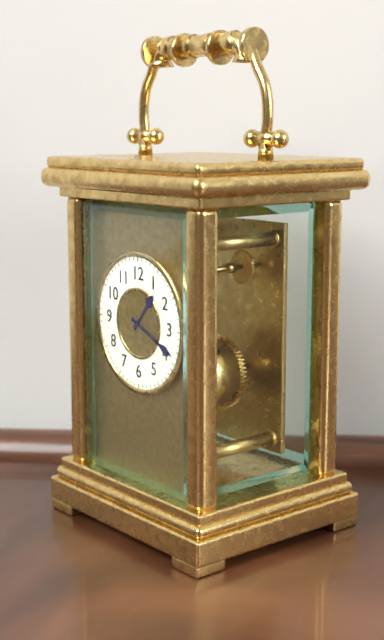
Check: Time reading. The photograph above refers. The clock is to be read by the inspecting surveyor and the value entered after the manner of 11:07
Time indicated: 1:19
